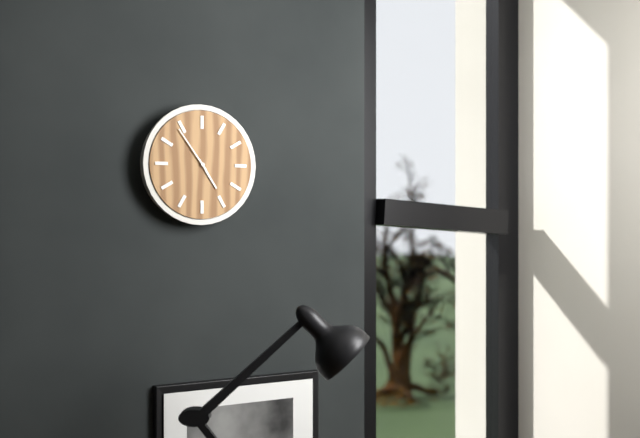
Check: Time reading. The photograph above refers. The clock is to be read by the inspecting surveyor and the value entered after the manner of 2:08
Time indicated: 4:54
